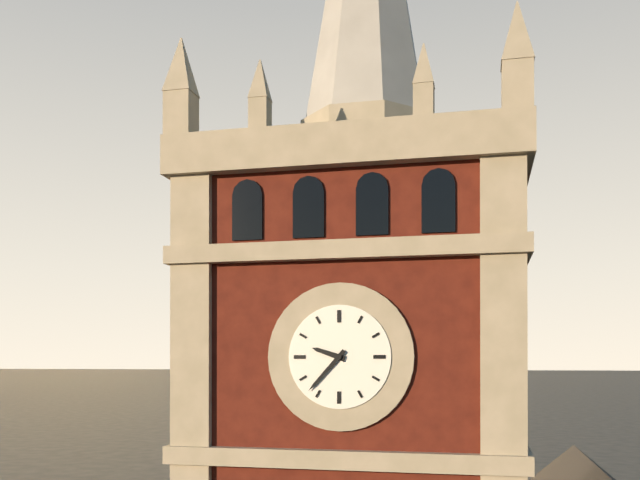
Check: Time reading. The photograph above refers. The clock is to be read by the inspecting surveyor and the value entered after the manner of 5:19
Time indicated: 9:37
